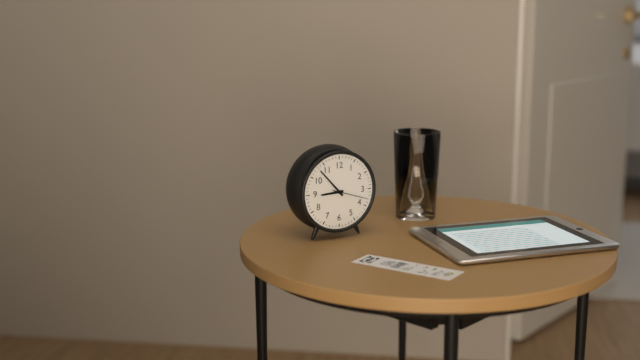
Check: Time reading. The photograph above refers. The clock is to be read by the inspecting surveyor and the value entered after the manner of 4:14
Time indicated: 8:53
